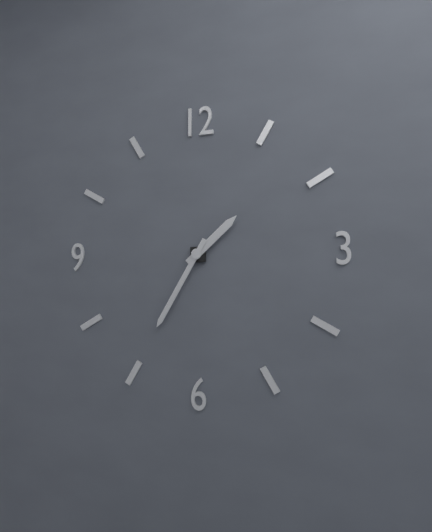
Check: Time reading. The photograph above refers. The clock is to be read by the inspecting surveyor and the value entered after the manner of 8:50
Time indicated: 1:35
